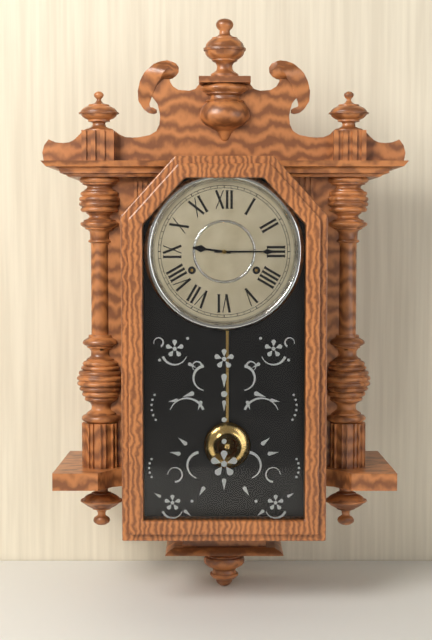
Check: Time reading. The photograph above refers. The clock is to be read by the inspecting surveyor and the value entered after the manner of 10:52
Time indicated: 9:15
